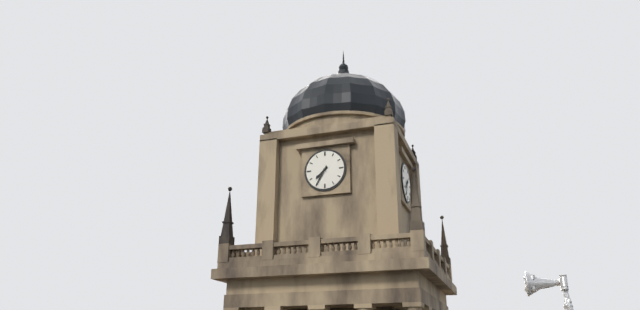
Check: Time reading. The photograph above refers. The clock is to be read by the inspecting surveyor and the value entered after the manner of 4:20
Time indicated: 7:35
